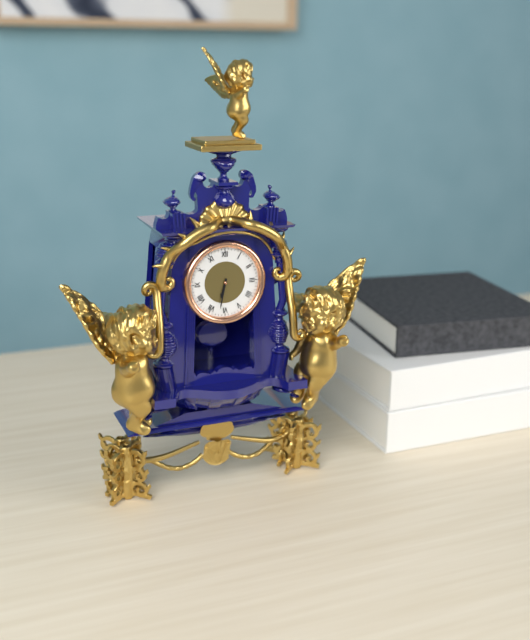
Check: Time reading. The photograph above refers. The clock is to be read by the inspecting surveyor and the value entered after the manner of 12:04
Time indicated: 6:32
